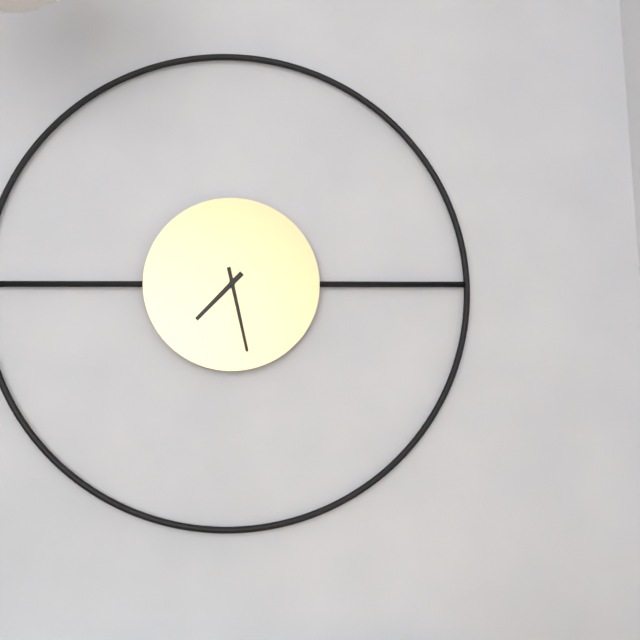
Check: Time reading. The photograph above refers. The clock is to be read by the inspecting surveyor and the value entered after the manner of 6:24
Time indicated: 7:28
